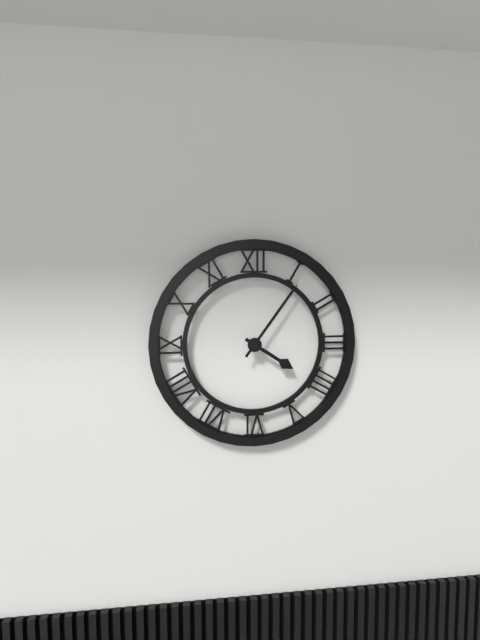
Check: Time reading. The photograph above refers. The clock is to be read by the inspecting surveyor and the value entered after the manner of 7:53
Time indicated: 4:06
